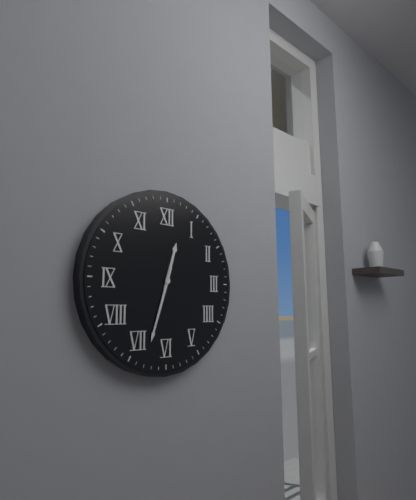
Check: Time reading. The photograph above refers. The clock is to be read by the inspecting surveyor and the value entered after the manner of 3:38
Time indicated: 12:33
